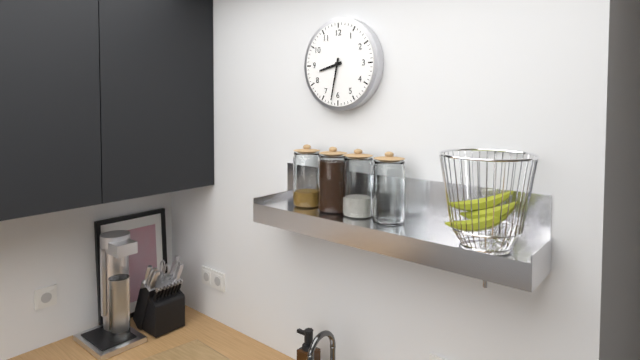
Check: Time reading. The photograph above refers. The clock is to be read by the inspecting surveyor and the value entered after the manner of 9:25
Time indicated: 8:32
